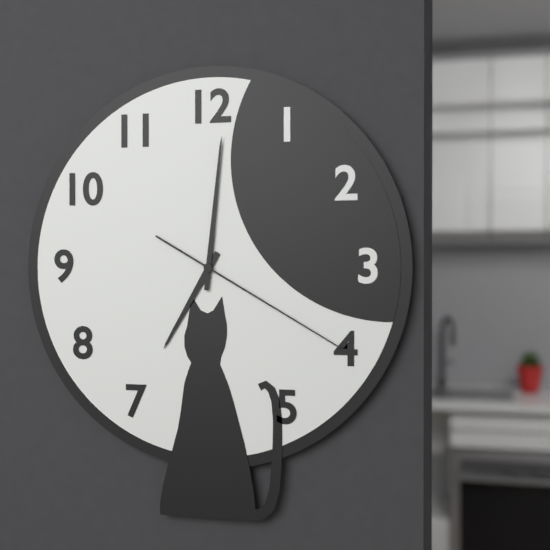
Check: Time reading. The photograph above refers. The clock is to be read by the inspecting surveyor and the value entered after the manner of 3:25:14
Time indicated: 7:01:20
